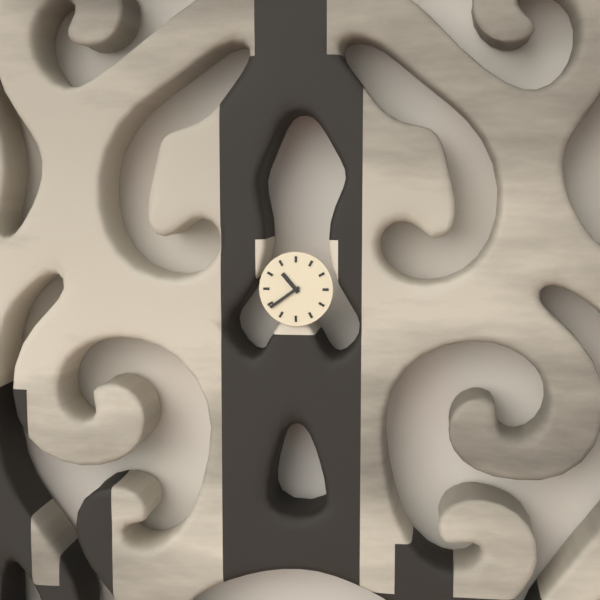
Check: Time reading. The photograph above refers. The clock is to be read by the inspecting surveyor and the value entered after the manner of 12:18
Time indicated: 10:39
